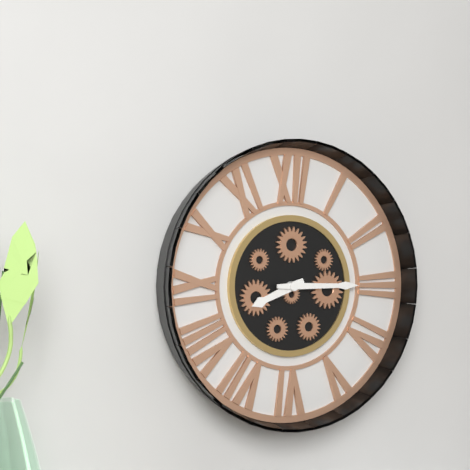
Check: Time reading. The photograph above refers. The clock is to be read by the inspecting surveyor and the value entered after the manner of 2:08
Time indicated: 8:15
